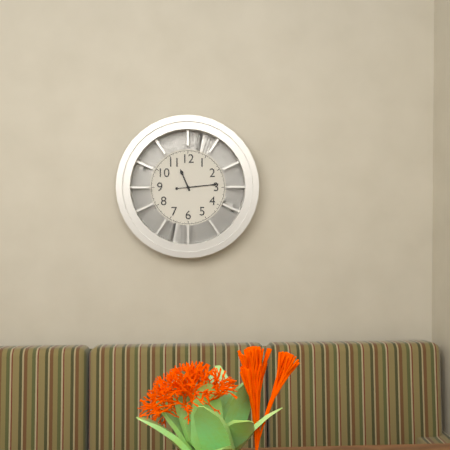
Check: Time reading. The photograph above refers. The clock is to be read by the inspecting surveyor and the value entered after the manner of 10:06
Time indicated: 11:14
